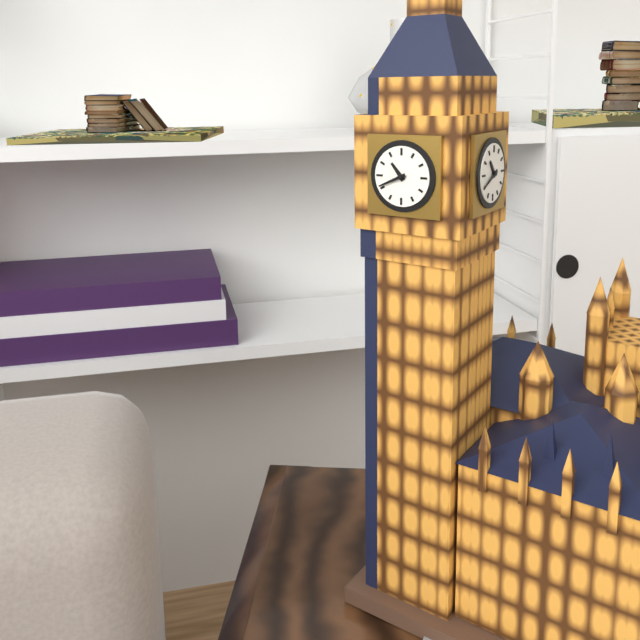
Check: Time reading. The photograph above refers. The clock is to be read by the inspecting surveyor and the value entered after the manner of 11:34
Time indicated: 10:41
